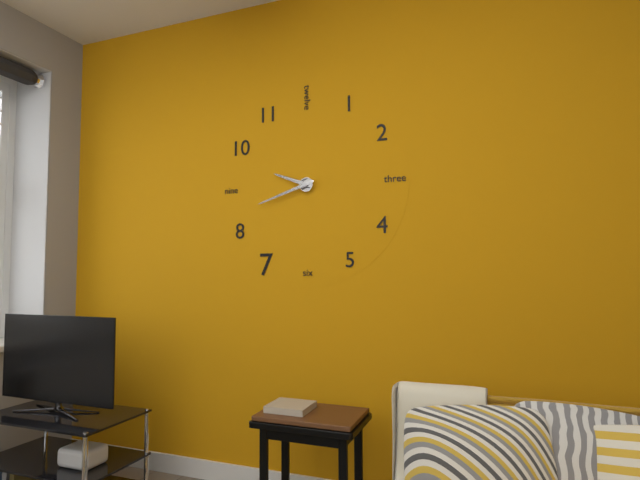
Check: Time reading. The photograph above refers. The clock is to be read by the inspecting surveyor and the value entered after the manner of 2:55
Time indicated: 9:42
